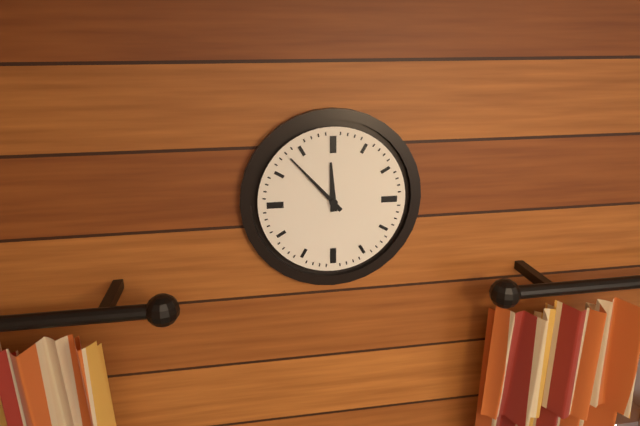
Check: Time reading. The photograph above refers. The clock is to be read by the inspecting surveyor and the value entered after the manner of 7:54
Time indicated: 11:53
